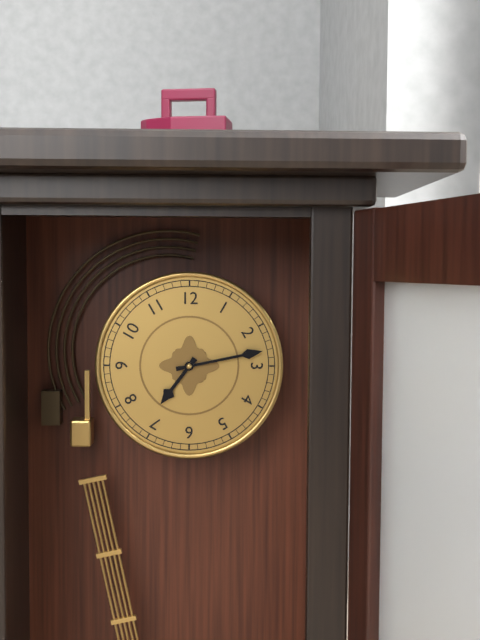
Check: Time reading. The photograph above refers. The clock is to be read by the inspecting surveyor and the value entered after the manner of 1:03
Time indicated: 7:13
